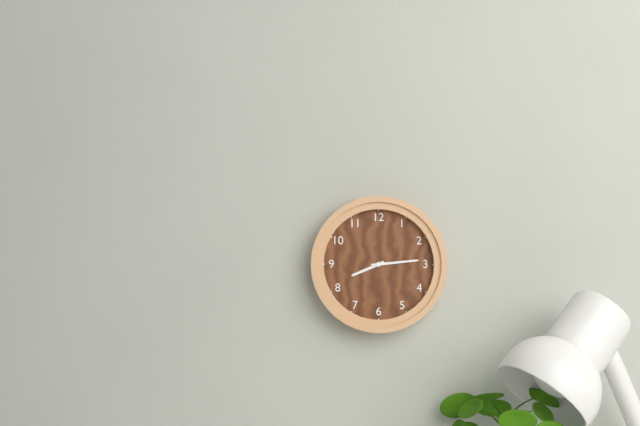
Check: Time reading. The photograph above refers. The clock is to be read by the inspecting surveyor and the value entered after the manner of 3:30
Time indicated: 8:14
